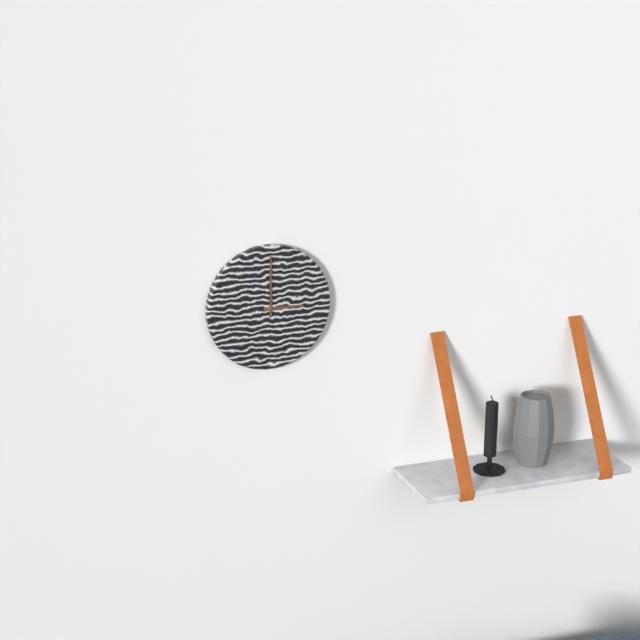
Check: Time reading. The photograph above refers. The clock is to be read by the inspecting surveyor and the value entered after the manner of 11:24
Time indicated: 3:00
